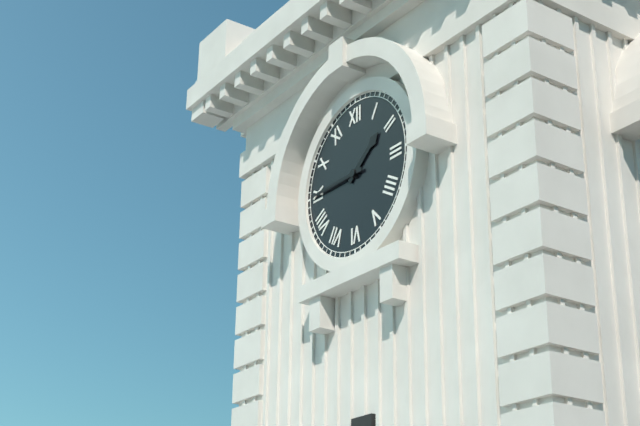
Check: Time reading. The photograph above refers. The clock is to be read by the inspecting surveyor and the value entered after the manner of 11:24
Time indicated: 1:45
